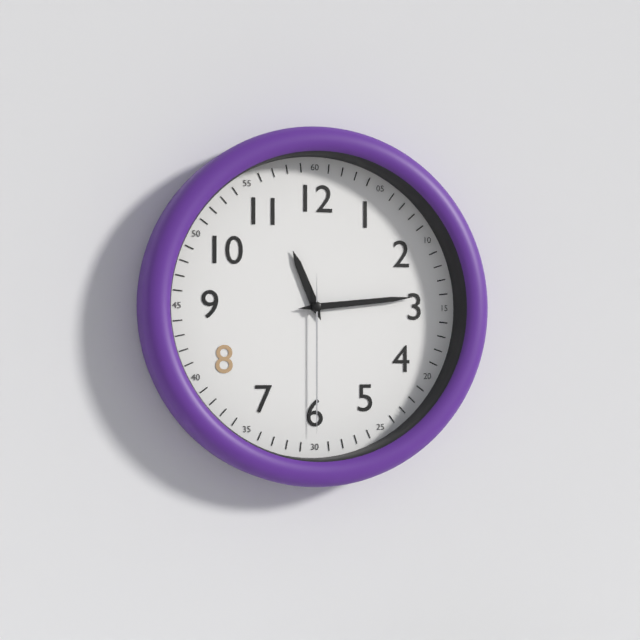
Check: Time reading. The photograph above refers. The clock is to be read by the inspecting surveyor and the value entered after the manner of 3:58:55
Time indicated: 11:14:30
